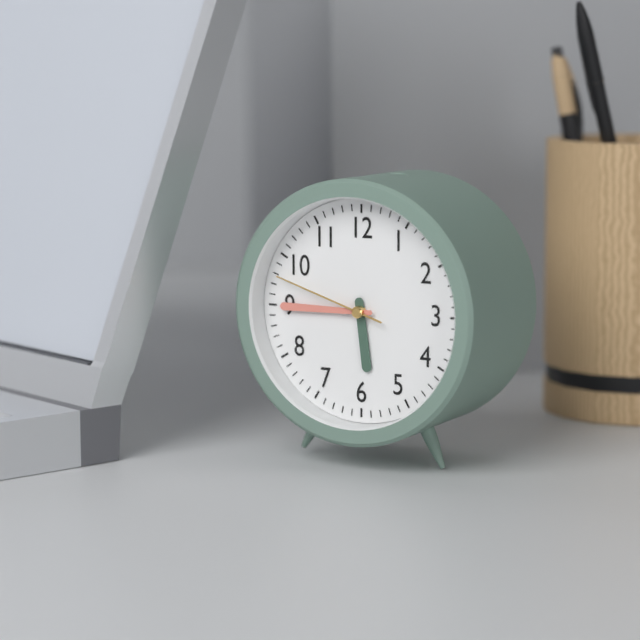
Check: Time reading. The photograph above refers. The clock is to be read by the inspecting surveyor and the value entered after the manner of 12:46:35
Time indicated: 5:45:48
